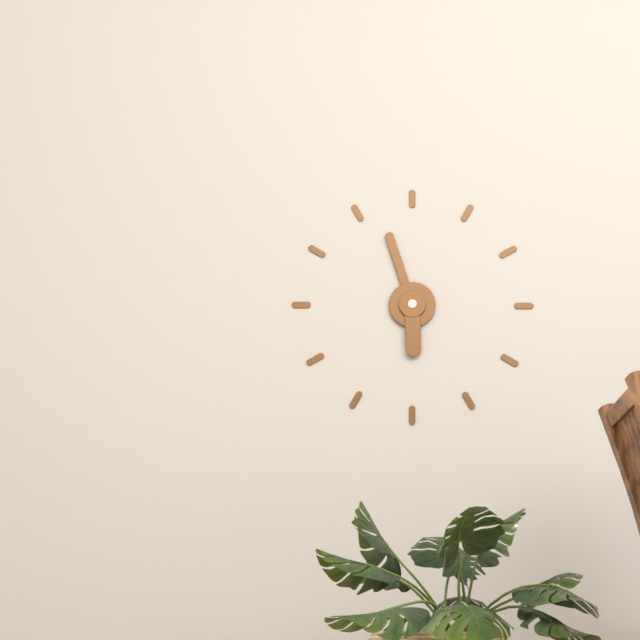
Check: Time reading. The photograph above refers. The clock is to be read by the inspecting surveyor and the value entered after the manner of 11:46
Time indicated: 5:57
